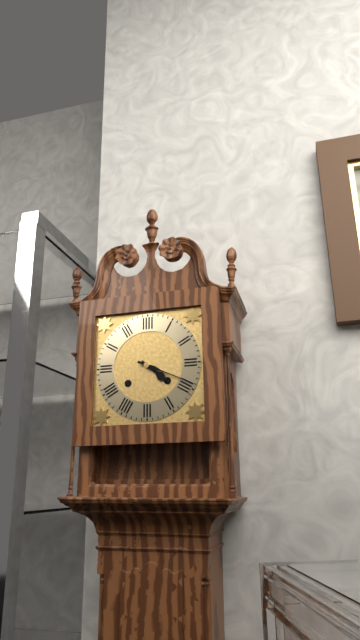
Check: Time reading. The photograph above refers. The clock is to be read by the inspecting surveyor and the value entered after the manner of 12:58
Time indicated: 4:19
